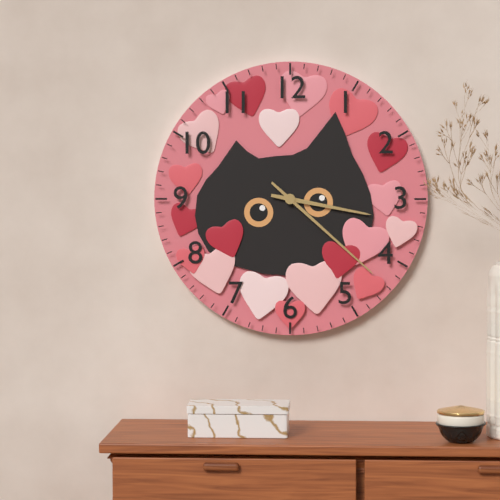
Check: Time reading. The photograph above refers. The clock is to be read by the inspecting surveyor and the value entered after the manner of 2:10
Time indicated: 3:22
